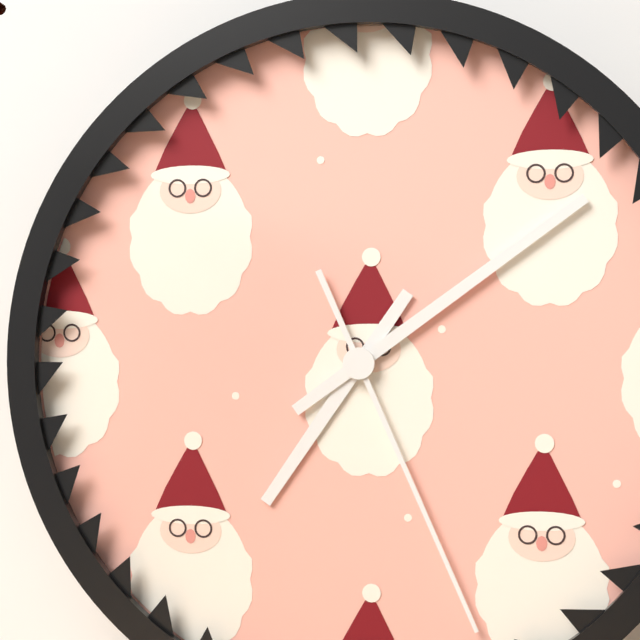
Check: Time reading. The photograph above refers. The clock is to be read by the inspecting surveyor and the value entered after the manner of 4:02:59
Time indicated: 7:09:26
